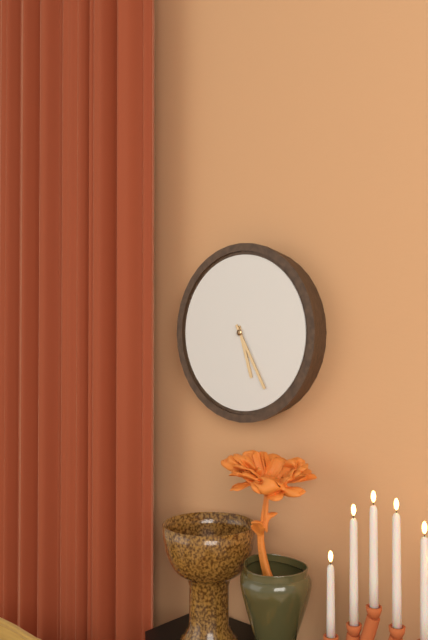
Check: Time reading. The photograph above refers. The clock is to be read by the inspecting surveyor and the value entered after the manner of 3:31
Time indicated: 5:25
